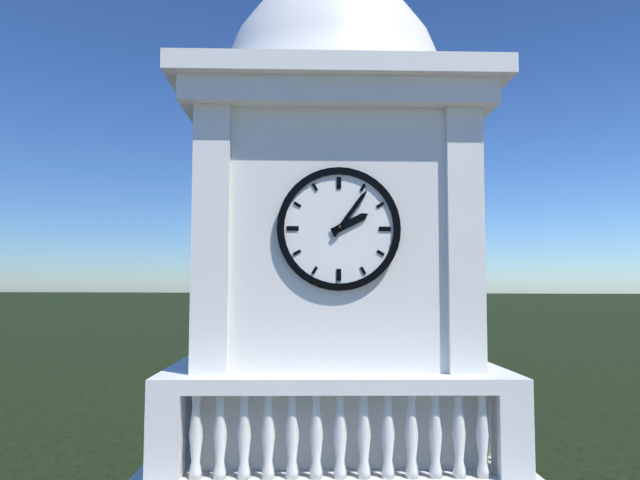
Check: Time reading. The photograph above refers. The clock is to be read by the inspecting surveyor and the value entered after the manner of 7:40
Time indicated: 2:06
